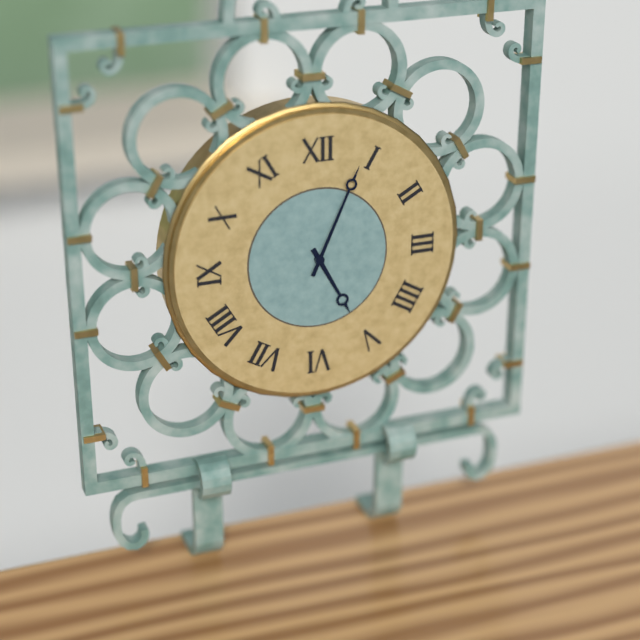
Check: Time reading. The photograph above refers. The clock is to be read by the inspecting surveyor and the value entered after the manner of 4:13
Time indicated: 5:04
